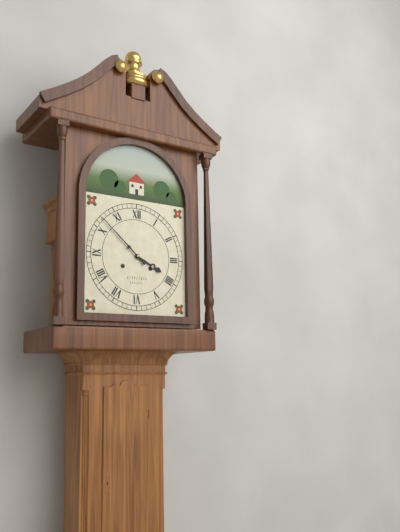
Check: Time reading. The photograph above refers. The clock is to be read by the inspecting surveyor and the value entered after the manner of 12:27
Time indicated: 3:52
